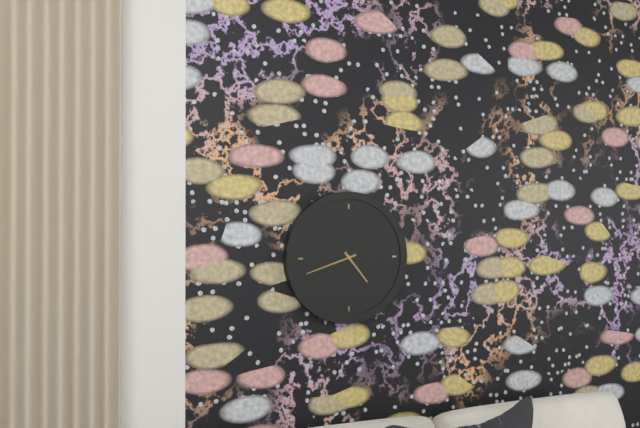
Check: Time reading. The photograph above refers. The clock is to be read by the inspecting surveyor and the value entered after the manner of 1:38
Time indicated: 4:42
